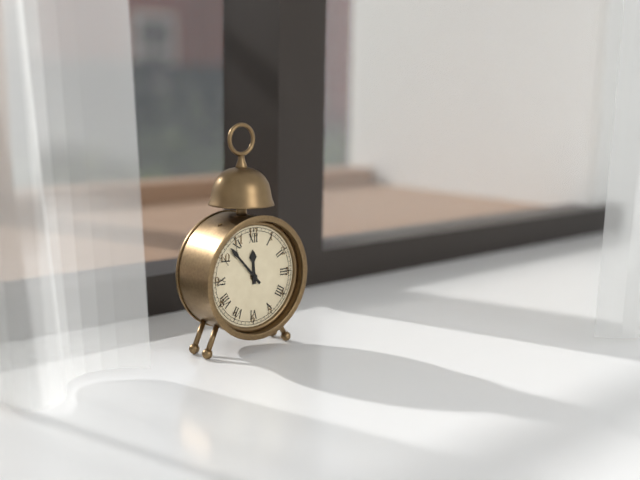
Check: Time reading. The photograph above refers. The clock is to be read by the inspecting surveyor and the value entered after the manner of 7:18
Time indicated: 11:53
